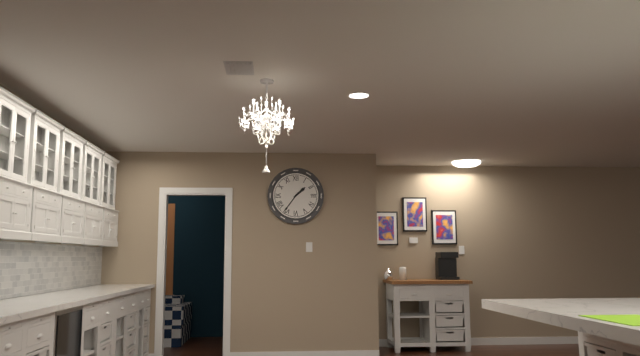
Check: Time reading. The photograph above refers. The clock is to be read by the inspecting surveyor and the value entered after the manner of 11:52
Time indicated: 1:36
